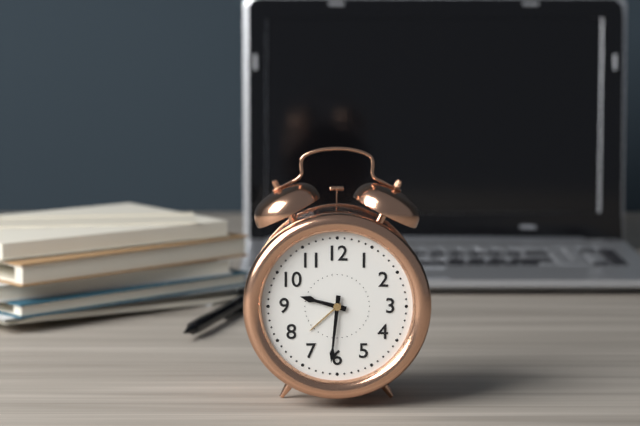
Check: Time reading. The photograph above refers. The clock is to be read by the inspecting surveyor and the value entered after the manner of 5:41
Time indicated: 9:31
